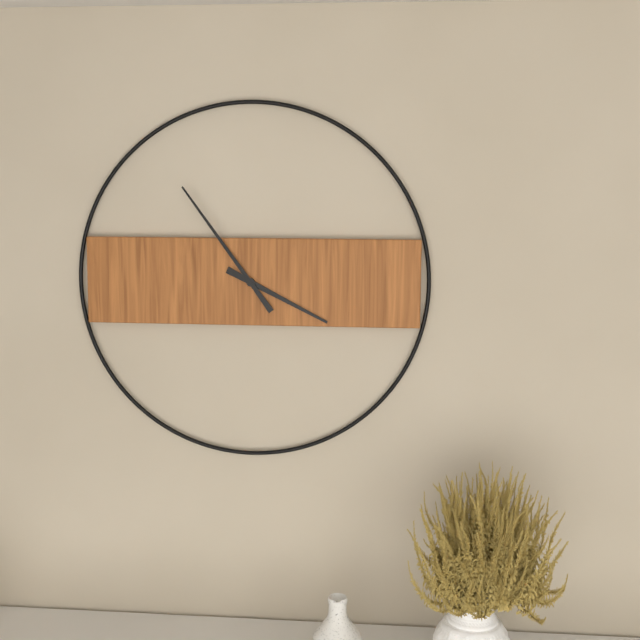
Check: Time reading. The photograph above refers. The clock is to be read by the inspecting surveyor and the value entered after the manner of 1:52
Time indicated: 3:54
